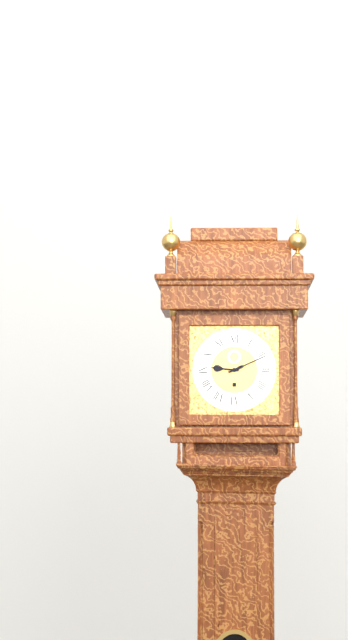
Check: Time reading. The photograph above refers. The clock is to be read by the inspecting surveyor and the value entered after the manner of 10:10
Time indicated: 9:11
